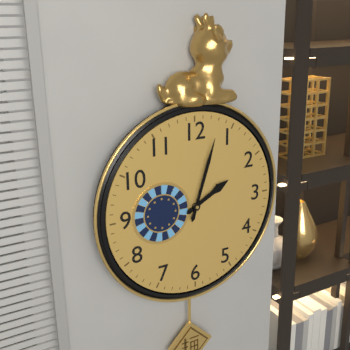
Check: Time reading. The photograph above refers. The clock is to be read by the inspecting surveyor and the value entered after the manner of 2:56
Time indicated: 2:03
